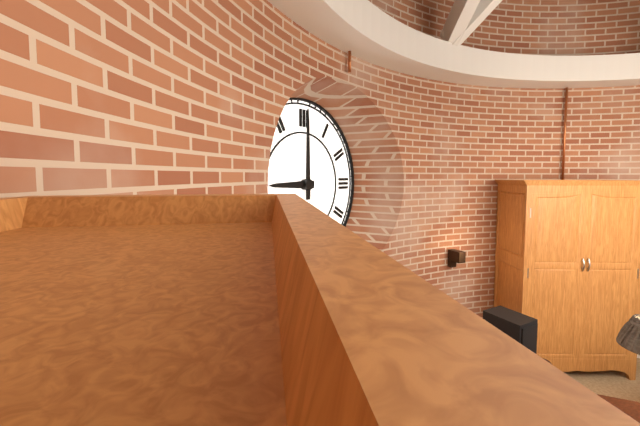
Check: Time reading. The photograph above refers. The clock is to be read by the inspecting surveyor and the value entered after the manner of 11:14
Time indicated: 9:00
